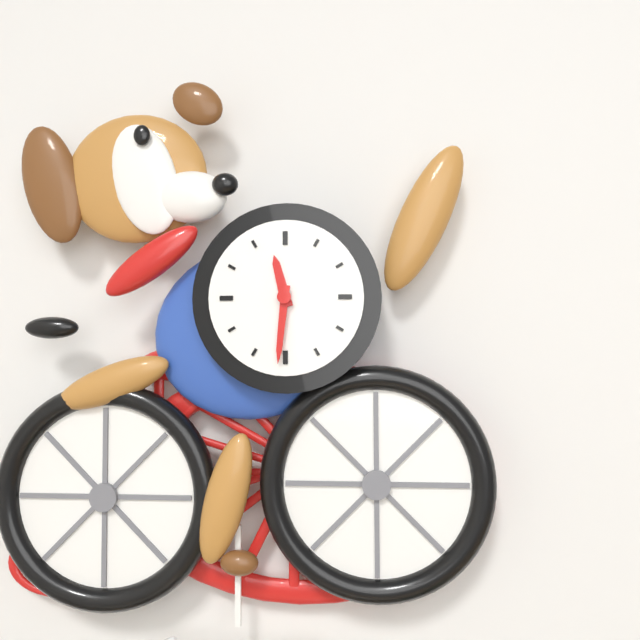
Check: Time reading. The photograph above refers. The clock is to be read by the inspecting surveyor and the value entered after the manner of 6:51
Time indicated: 11:31
